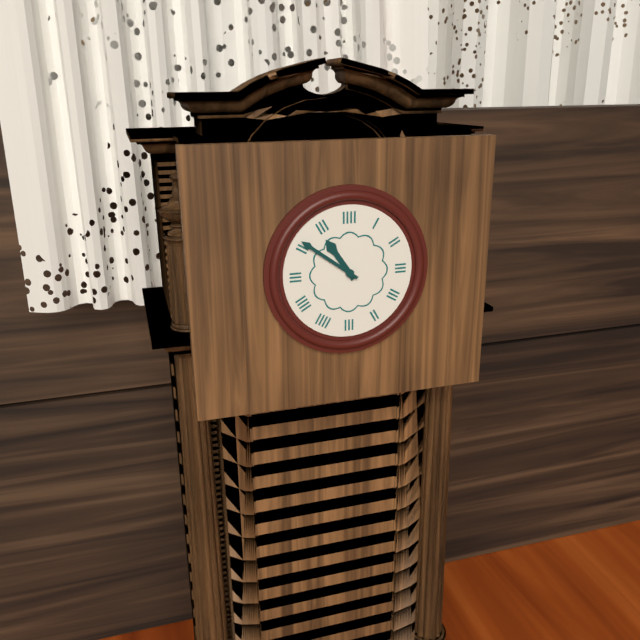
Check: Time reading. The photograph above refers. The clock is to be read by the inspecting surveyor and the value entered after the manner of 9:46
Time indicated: 10:51
